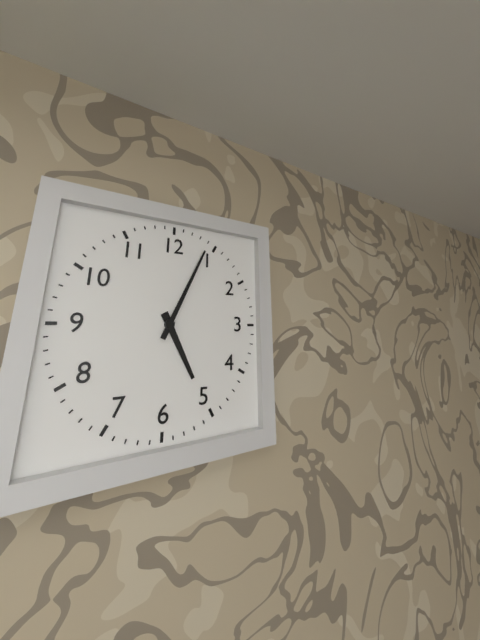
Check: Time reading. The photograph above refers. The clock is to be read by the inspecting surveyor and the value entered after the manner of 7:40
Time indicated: 5:04
